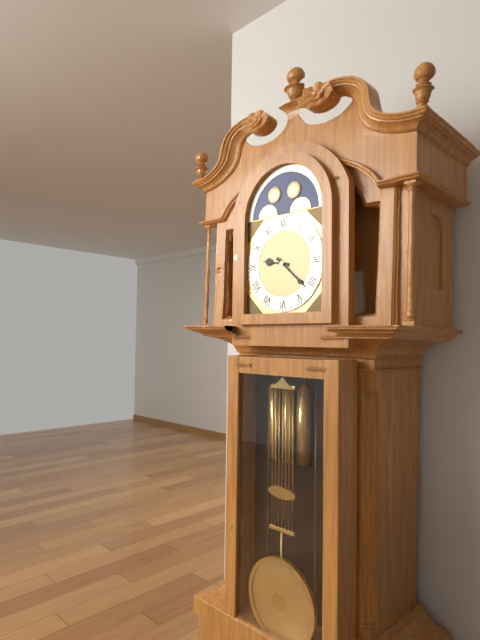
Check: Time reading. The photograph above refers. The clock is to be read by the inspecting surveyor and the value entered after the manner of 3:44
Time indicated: 9:22
